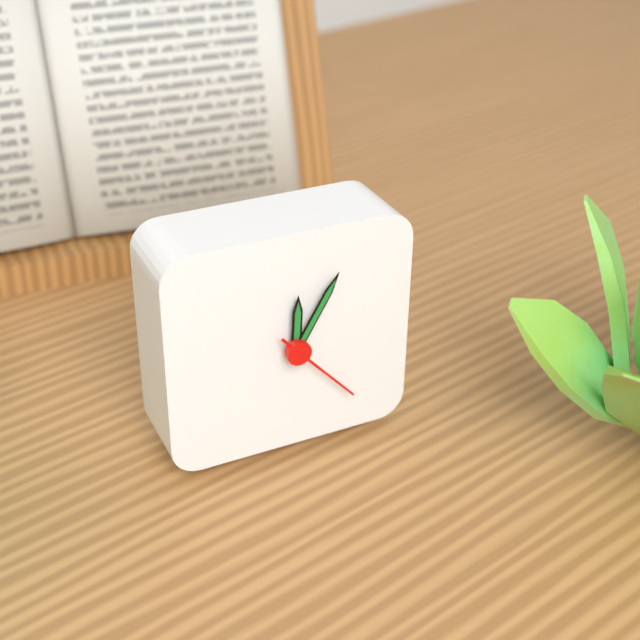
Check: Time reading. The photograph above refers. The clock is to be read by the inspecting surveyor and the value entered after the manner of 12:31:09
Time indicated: 12:05:23
